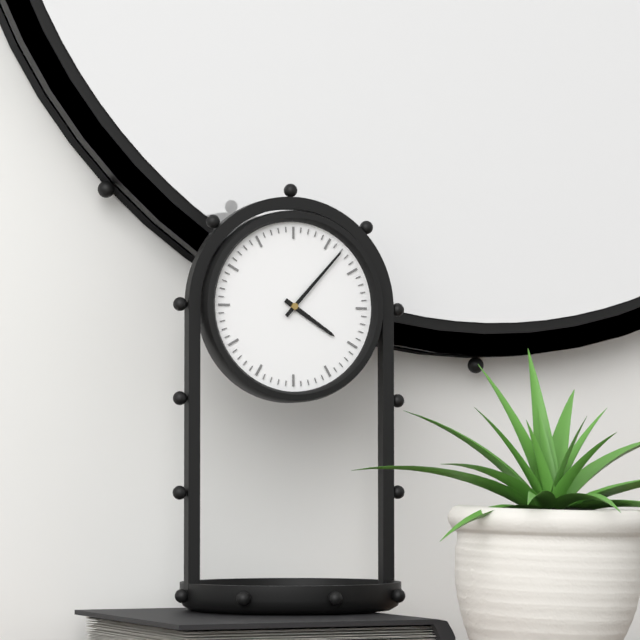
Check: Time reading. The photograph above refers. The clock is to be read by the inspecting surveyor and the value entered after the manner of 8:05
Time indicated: 4:07
